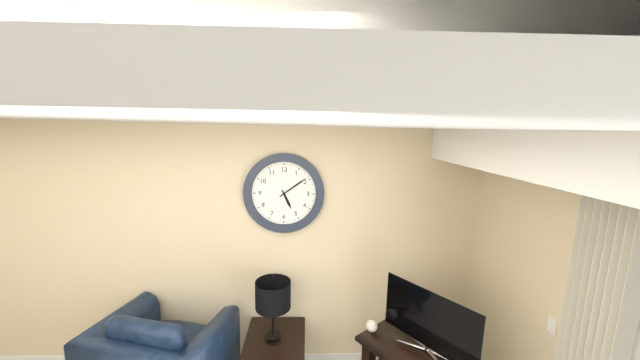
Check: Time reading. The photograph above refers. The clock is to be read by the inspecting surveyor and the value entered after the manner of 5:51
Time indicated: 5:09
